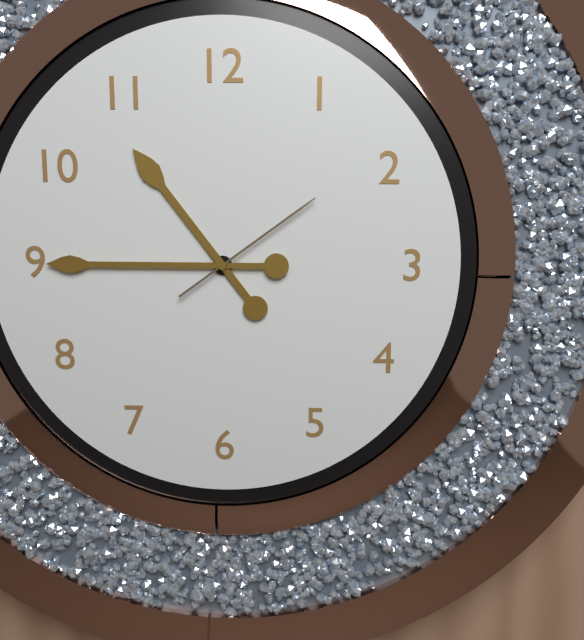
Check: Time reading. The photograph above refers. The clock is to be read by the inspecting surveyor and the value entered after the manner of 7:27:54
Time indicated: 10:45:09
